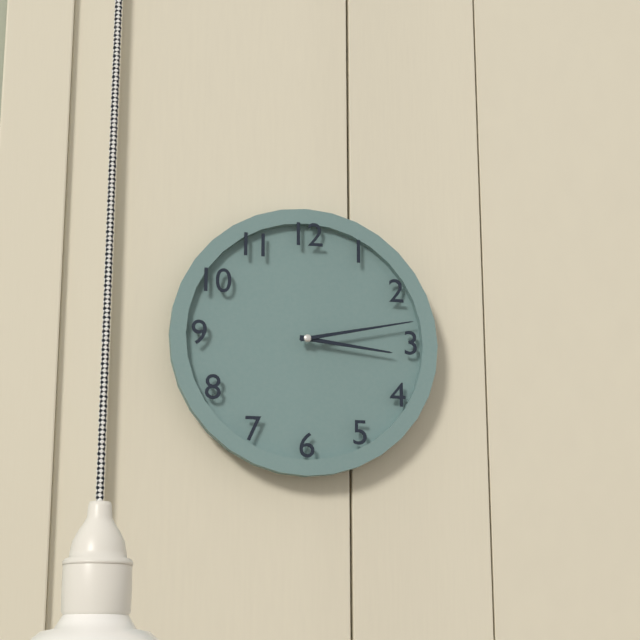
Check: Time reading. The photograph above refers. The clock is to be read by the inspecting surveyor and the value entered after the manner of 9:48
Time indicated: 3:13
